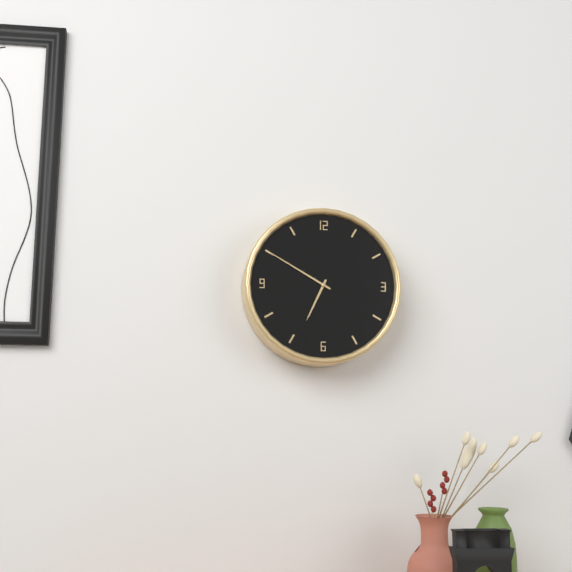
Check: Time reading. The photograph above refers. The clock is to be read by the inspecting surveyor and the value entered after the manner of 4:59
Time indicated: 6:50
